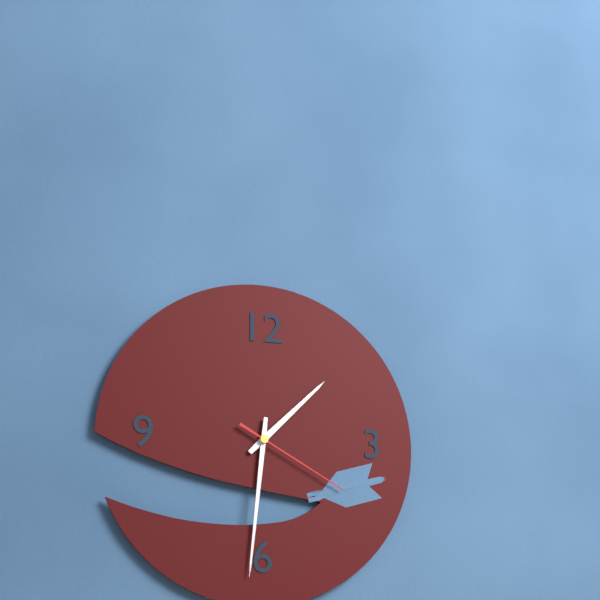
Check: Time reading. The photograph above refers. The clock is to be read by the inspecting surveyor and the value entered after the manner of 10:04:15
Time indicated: 1:31:20
